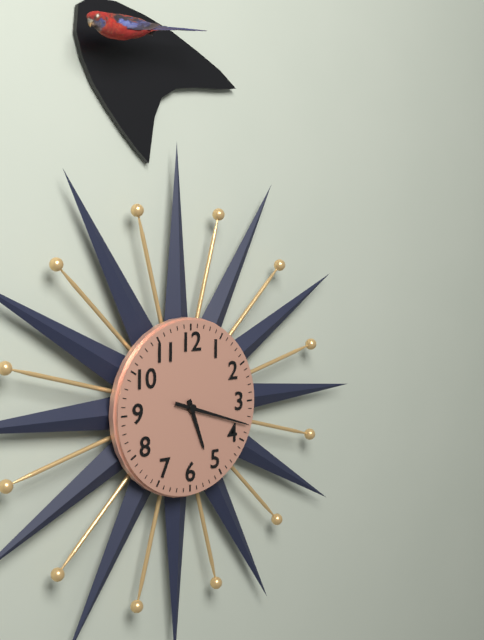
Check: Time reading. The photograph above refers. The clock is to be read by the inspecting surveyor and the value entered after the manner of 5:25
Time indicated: 5:18
